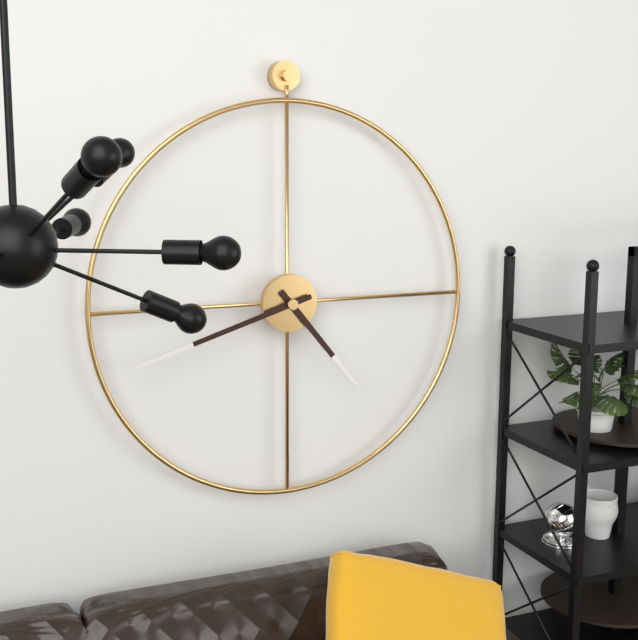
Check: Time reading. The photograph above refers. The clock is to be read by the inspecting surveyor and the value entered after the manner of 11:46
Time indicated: 4:42
